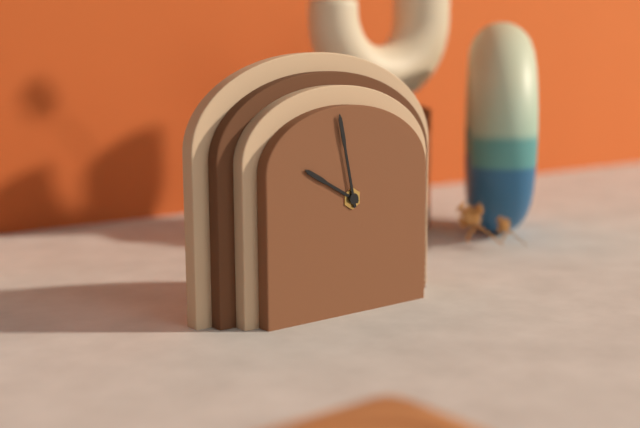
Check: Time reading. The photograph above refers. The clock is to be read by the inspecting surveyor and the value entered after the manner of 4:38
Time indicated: 9:58
